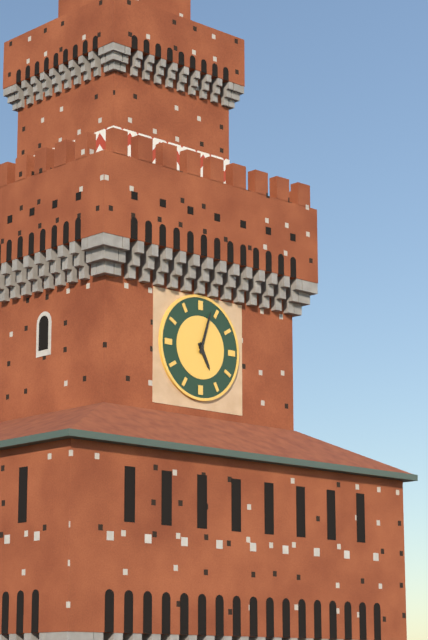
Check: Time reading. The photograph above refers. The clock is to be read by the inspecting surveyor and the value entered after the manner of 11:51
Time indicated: 5:03
